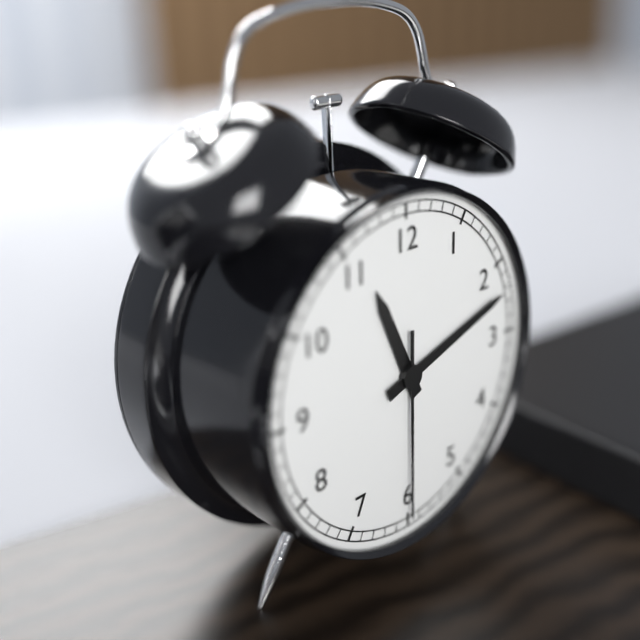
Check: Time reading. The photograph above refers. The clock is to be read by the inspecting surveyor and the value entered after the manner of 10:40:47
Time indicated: 11:12:30
